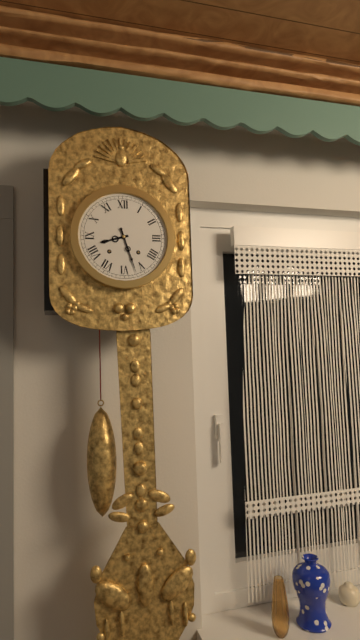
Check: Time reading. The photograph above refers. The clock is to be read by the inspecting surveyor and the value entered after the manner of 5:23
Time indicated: 8:27
